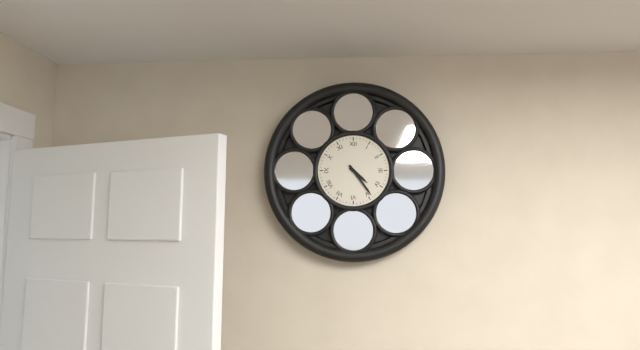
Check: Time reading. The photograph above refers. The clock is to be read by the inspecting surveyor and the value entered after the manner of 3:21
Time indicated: 4:24
